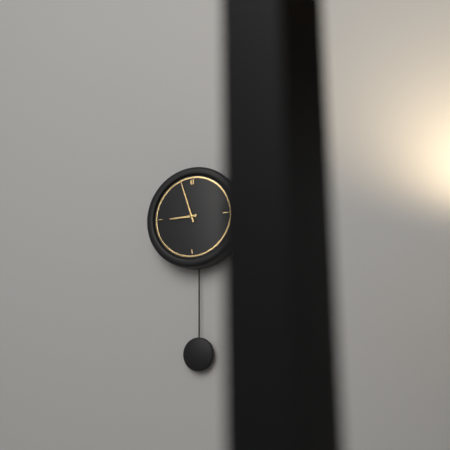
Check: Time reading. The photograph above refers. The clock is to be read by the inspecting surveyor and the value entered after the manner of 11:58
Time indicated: 8:57
